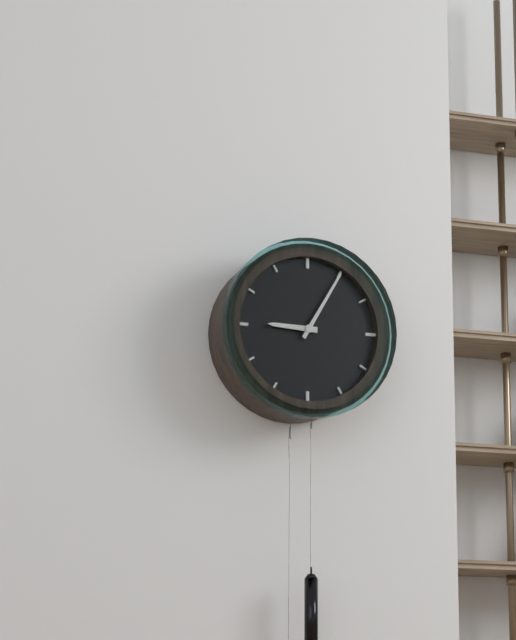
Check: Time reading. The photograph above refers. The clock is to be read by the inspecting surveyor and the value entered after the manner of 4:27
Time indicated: 9:05
